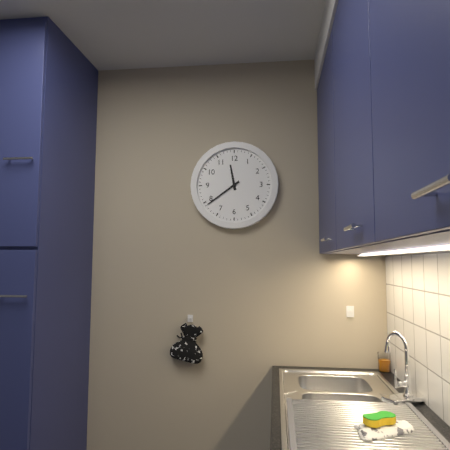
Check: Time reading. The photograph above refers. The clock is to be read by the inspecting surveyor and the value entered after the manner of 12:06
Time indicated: 11:39
